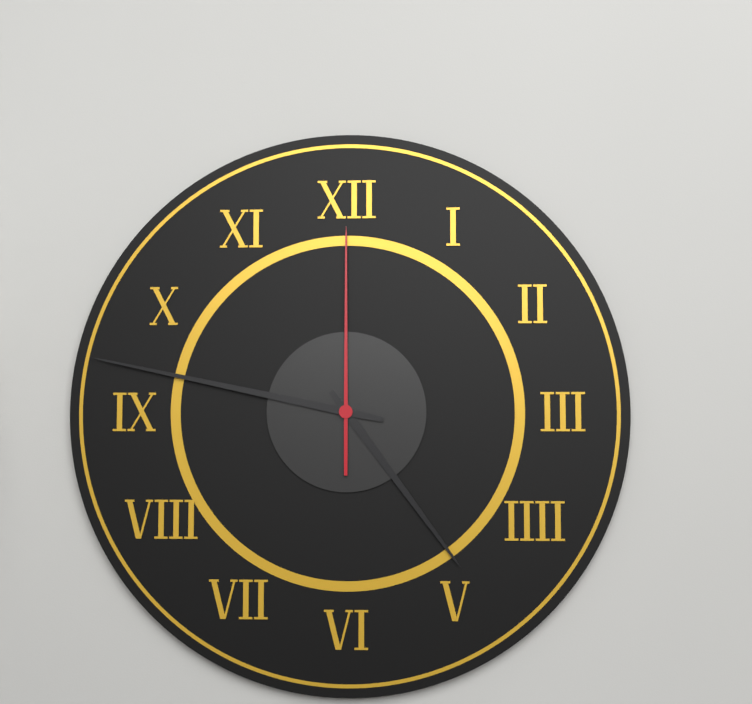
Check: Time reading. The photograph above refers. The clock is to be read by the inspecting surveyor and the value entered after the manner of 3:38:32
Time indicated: 4:47:00
